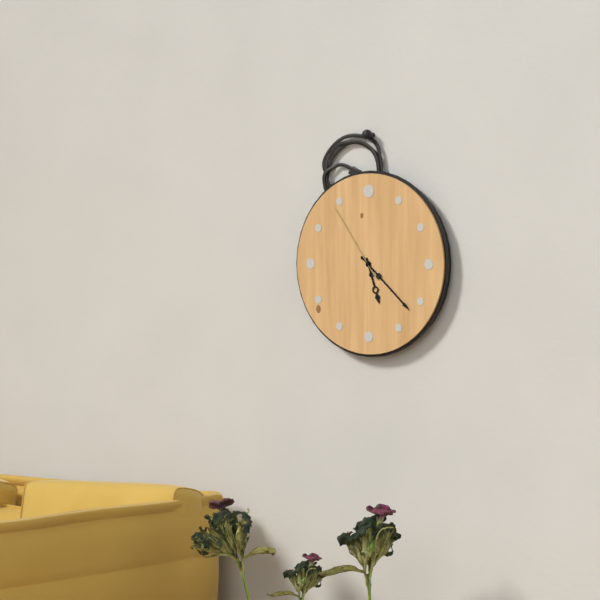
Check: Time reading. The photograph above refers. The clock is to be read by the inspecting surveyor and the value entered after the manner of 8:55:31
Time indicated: 5:22:54
